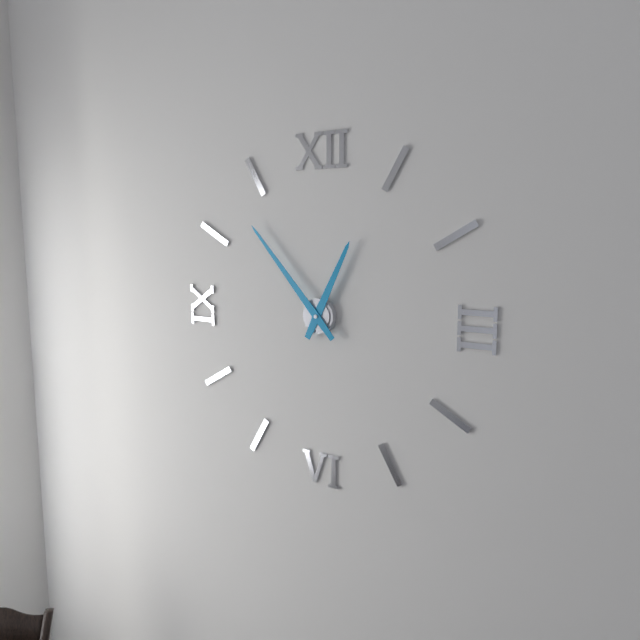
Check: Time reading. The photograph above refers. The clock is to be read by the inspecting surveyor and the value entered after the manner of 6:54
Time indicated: 12:53
